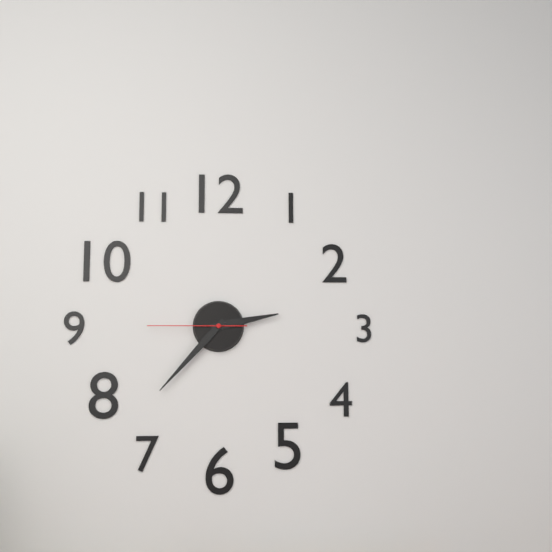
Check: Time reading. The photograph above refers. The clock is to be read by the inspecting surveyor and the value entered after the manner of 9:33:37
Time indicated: 2:37:45
